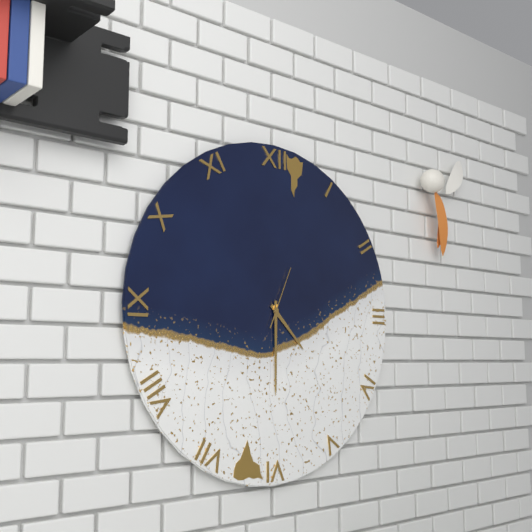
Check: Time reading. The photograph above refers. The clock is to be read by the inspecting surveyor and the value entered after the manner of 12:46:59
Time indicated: 4:30:04
